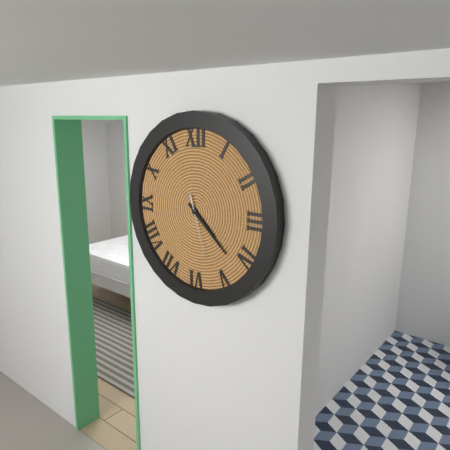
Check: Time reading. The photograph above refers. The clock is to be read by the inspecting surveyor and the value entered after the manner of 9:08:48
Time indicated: 4:22:27
